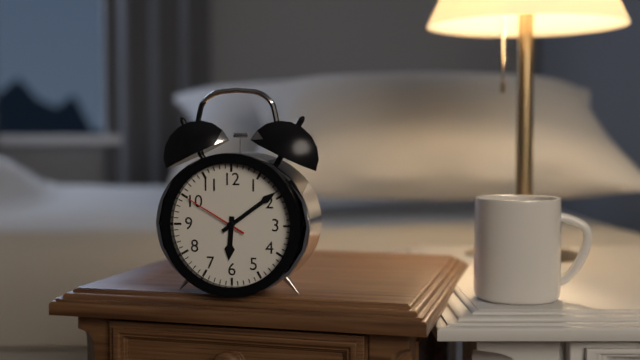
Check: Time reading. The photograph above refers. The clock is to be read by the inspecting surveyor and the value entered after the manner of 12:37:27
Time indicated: 6:09:50
